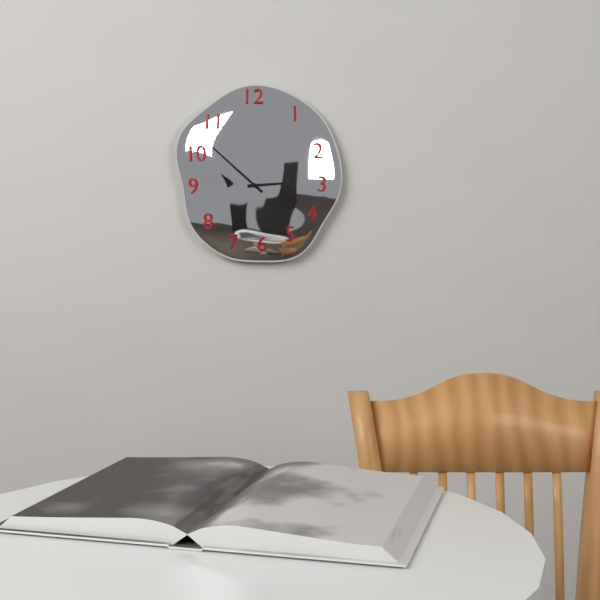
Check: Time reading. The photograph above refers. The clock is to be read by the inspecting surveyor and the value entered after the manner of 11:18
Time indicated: 2:52
